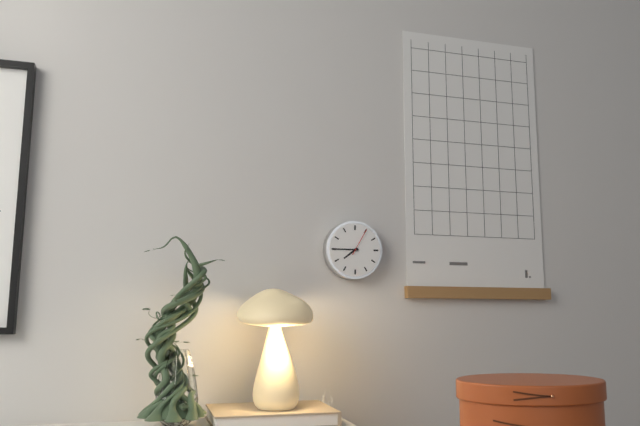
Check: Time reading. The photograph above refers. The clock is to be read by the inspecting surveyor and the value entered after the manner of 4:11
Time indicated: 7:45
